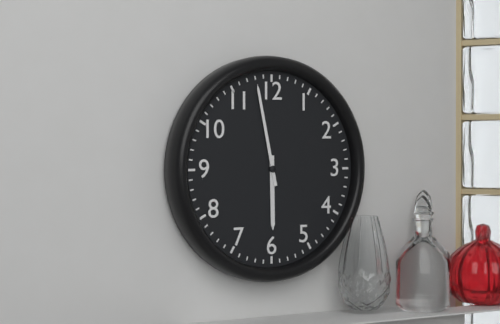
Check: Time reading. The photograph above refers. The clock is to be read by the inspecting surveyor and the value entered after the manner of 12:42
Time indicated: 5:58
